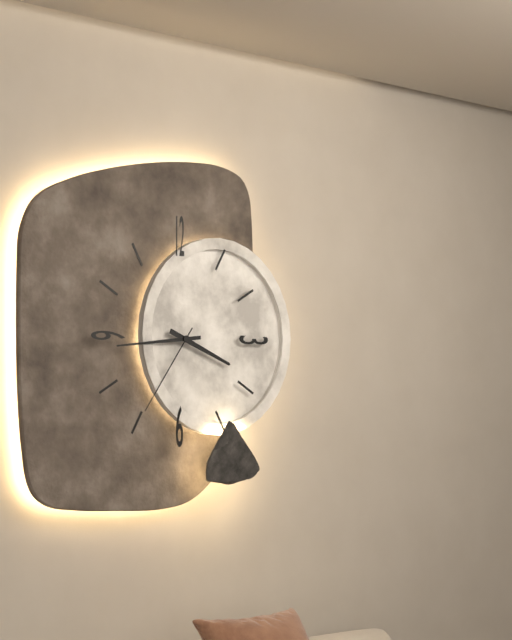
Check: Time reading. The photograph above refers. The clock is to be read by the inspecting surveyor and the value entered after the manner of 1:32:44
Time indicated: 3:44:36
